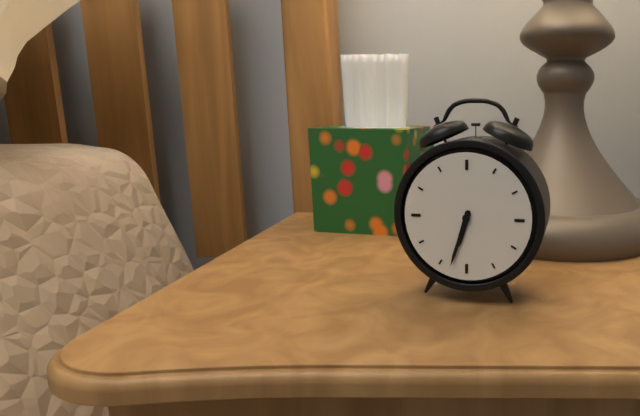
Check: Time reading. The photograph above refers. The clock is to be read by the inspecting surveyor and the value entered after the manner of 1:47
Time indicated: 6:33
